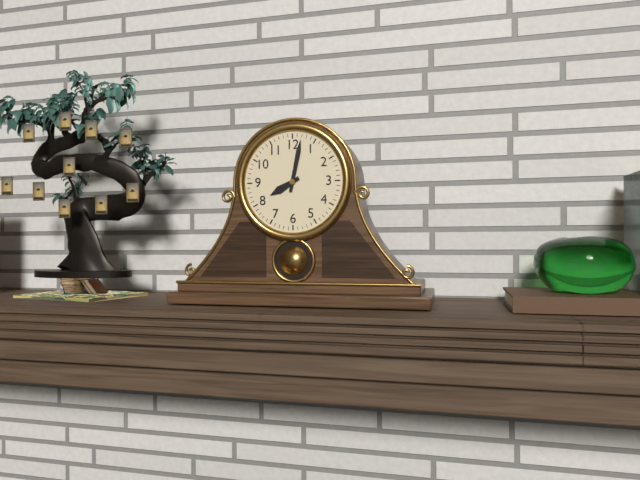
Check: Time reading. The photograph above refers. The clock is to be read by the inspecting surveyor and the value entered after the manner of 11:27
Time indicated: 8:02
